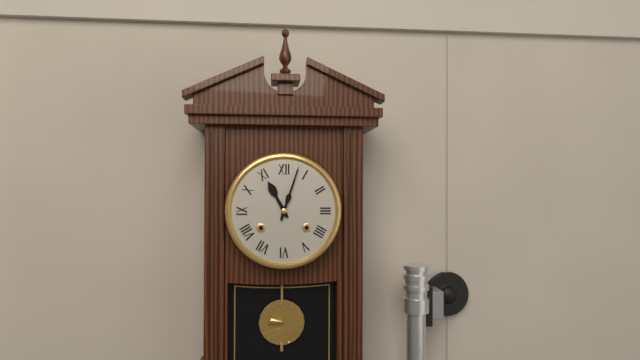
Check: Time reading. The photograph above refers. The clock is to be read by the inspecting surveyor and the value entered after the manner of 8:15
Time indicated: 11:03
